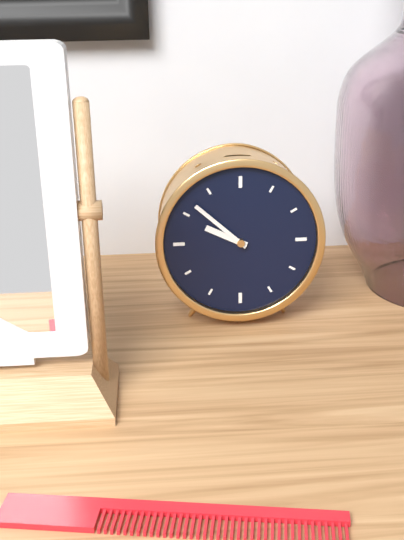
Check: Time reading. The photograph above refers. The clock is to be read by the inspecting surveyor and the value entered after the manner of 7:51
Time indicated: 9:52
